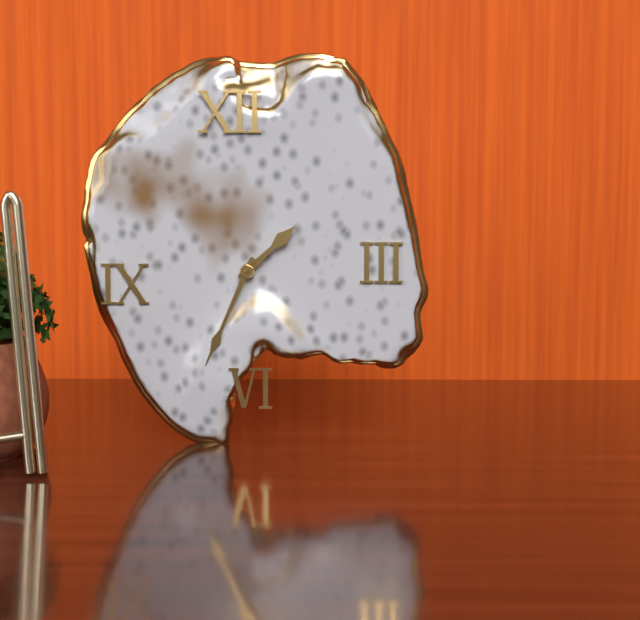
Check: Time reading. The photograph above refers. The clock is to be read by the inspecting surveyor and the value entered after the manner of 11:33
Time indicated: 1:34
